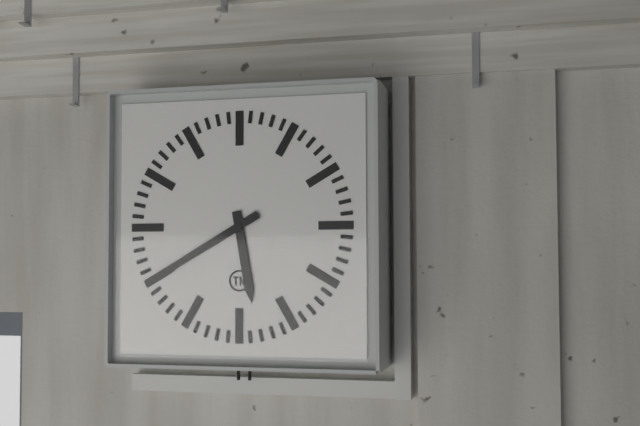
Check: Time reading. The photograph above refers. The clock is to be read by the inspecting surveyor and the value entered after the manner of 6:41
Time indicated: 5:40
